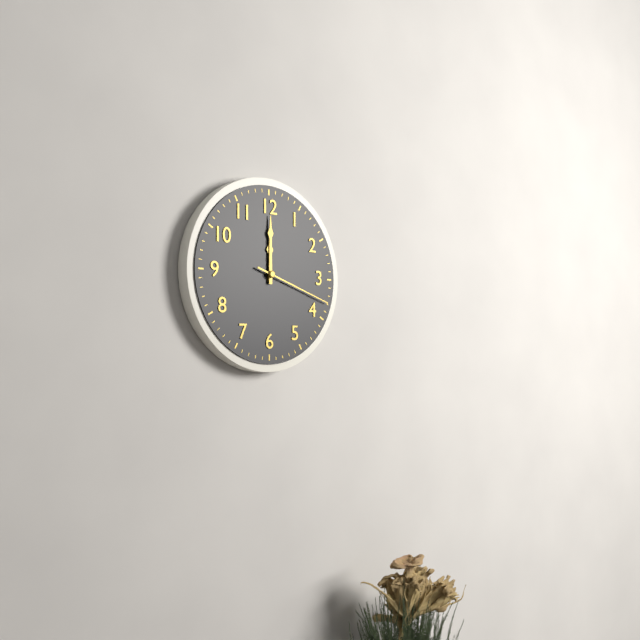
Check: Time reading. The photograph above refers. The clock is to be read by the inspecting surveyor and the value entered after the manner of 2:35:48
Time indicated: 12:00:18
